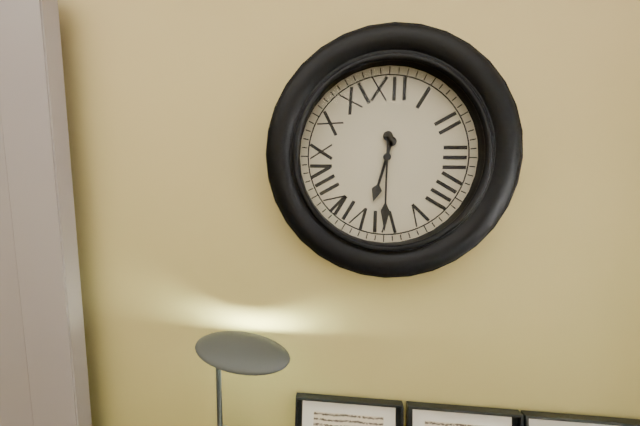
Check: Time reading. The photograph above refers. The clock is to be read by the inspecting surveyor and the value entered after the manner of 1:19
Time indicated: 6:30
